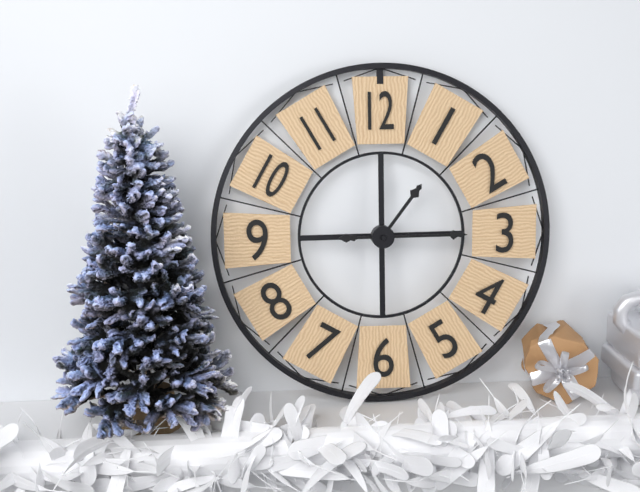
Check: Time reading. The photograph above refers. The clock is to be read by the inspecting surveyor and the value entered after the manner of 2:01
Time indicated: 1:15
